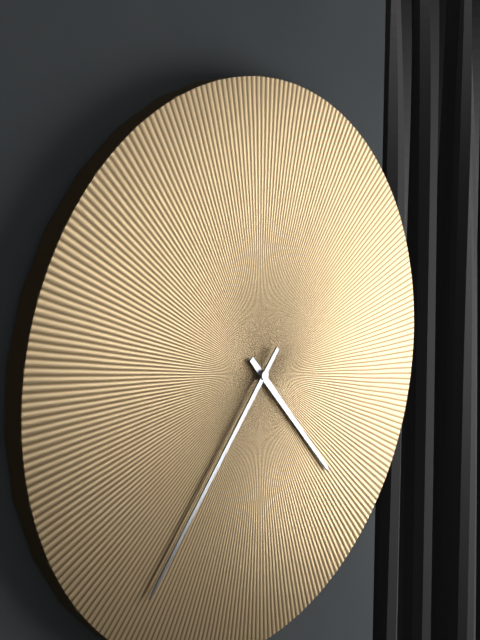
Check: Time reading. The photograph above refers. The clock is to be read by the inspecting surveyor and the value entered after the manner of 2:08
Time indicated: 4:37
